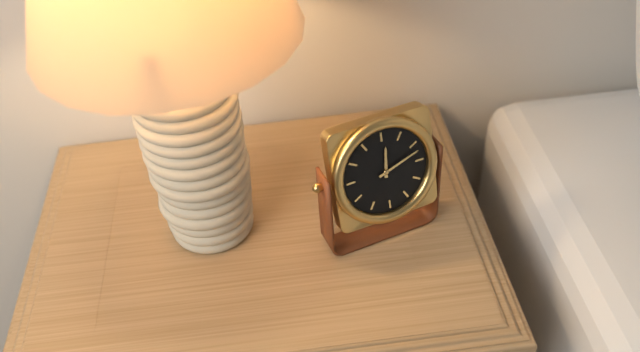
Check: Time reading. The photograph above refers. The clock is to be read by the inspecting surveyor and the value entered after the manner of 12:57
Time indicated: 12:12
